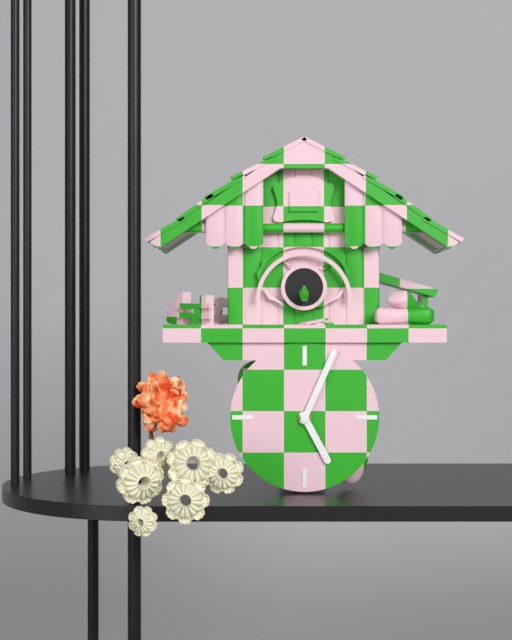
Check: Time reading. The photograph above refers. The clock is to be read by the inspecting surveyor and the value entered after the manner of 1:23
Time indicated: 5:04
